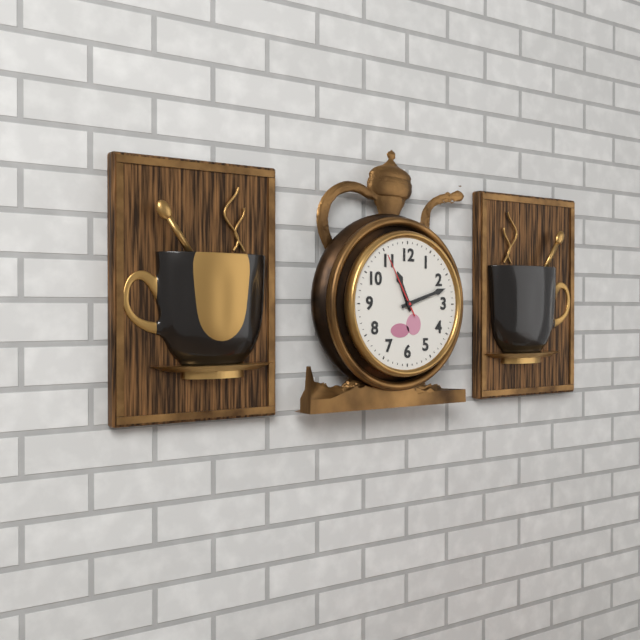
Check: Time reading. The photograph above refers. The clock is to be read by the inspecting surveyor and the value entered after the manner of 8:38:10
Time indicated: 11:12:55
